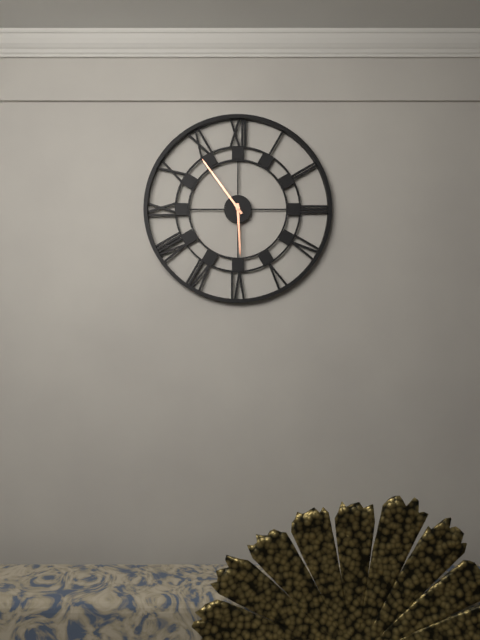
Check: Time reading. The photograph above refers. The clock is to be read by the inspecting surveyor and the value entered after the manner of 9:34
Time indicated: 5:54
